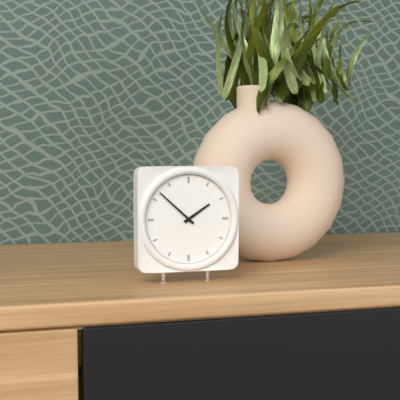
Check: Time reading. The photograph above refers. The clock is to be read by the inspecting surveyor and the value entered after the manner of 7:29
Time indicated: 1:52
